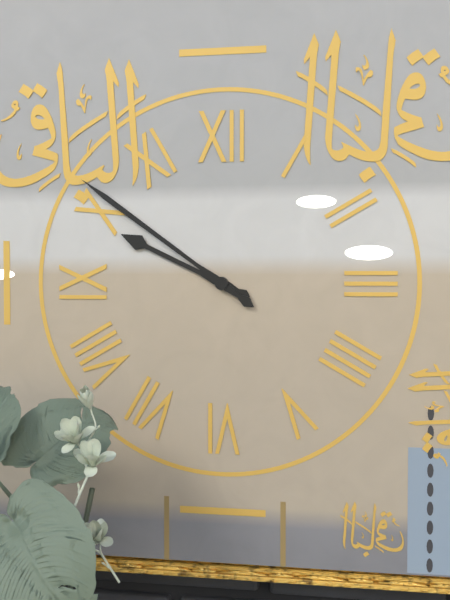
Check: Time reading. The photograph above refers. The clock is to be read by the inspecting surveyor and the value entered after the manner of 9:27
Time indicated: 9:51
